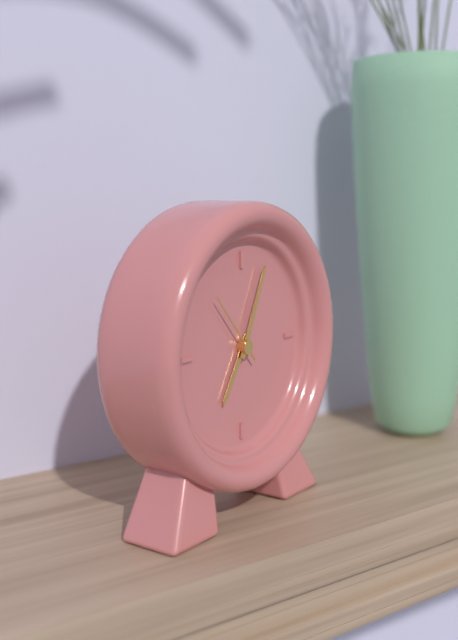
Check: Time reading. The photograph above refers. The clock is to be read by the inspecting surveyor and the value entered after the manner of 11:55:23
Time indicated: 7:04:53
